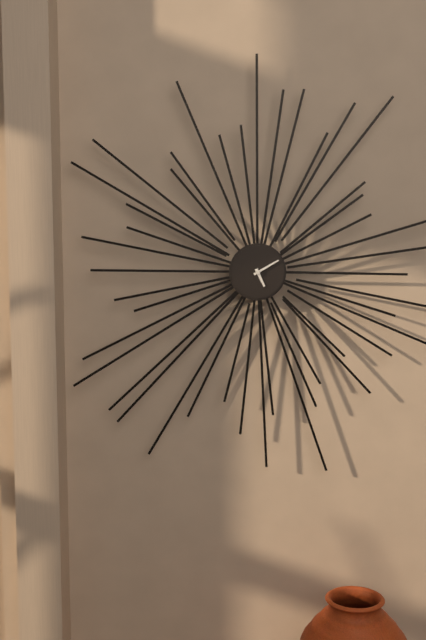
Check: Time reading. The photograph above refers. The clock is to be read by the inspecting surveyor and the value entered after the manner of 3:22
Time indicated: 5:10
